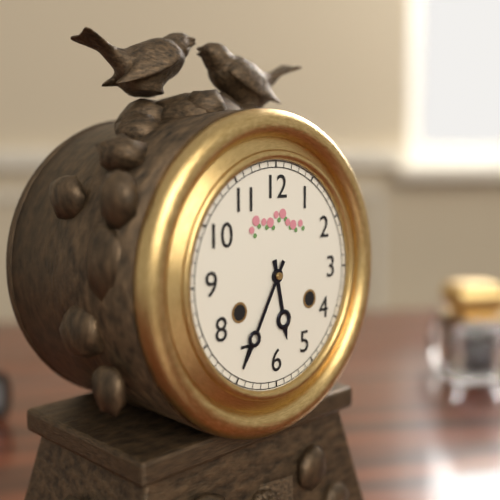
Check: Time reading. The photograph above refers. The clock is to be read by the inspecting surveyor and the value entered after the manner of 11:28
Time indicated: 5:35
